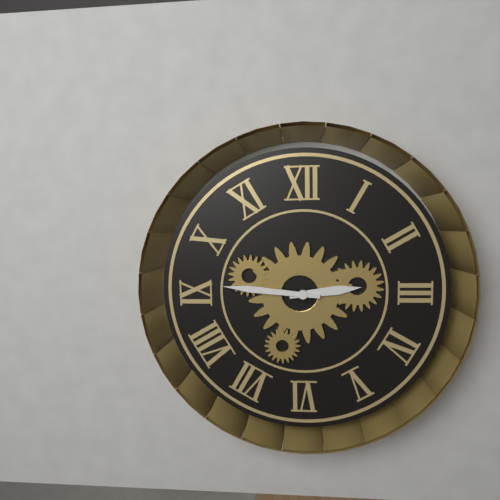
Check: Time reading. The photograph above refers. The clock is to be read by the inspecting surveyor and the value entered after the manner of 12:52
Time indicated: 2:46
